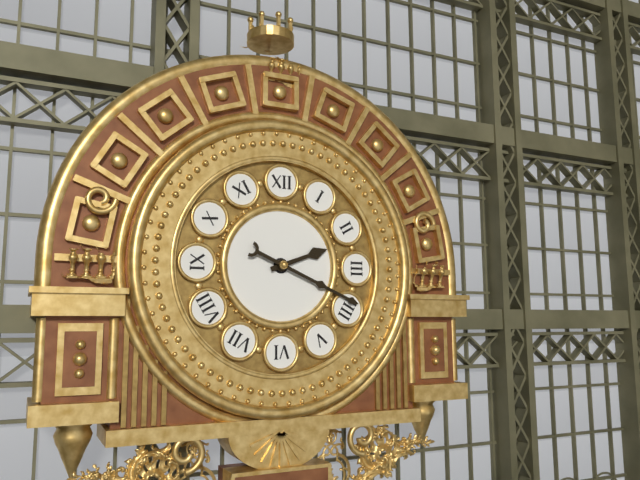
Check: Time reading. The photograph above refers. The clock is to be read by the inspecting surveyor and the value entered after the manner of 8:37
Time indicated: 2:19
